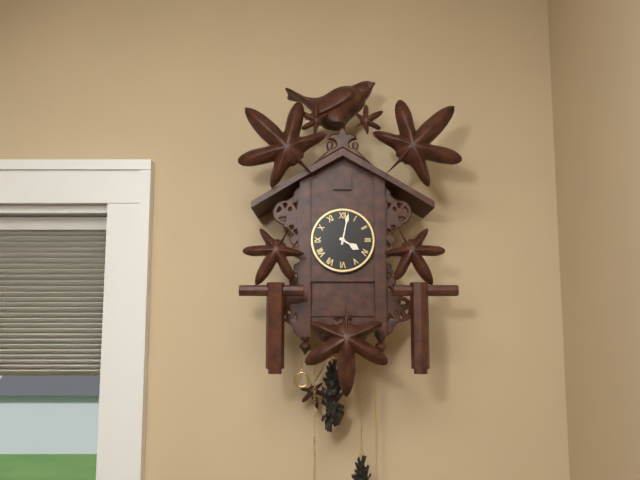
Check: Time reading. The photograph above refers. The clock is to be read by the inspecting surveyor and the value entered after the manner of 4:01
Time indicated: 4:02
